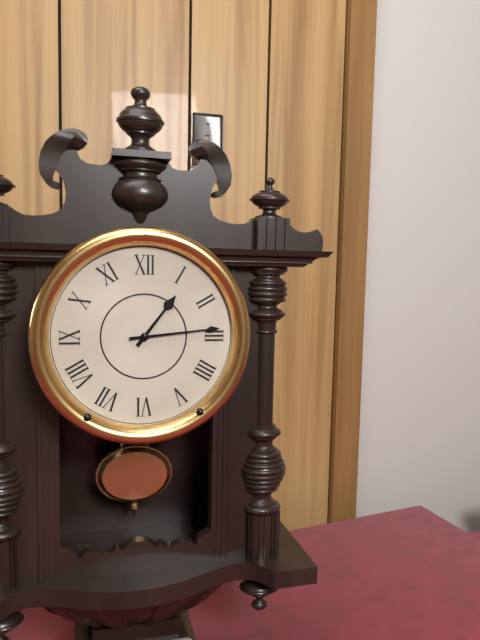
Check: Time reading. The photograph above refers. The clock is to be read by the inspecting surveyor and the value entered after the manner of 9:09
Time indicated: 1:14
